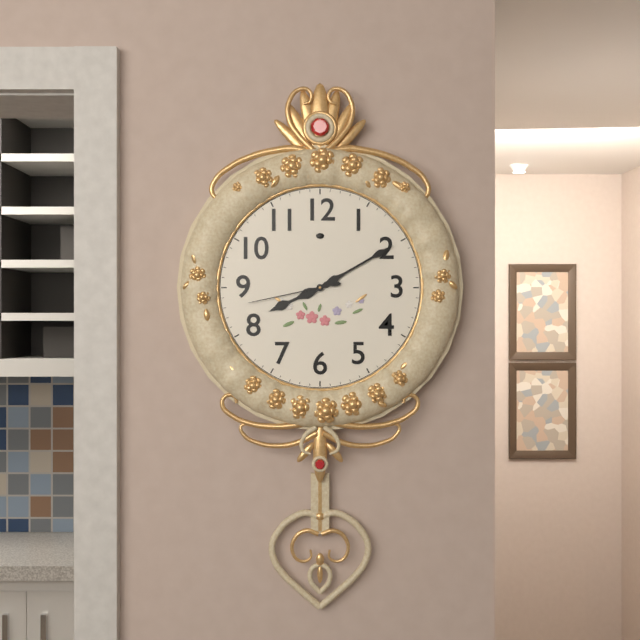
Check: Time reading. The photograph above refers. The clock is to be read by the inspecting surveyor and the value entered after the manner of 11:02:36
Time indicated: 8:10:43
